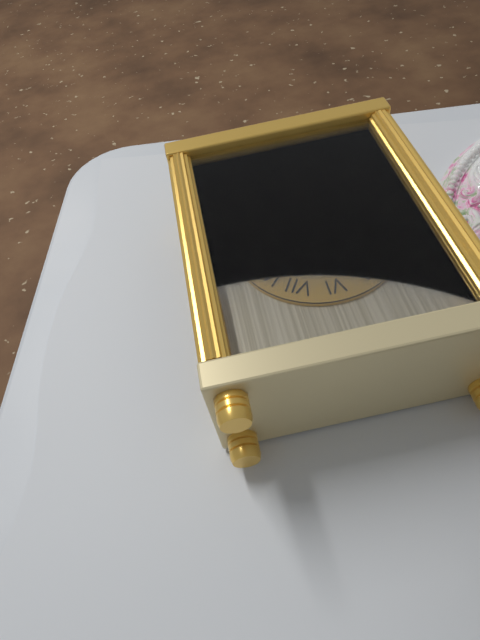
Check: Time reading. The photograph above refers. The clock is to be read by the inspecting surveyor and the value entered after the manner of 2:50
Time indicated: 8:12
